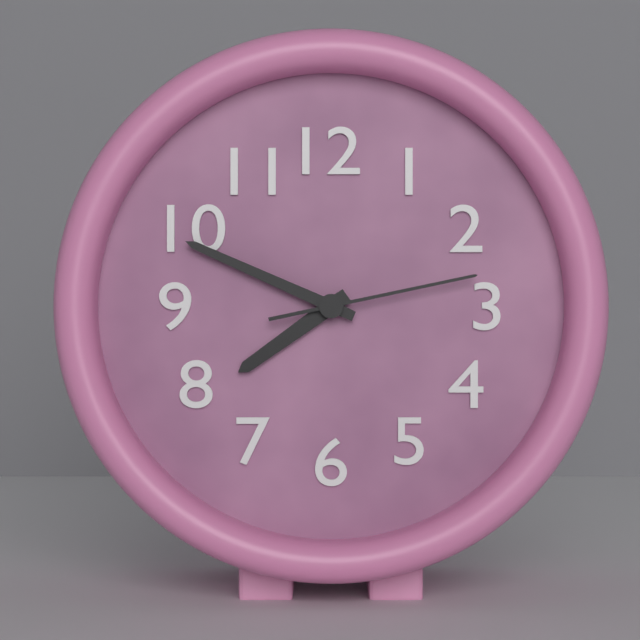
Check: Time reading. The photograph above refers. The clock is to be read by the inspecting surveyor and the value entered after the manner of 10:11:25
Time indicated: 7:49:13
